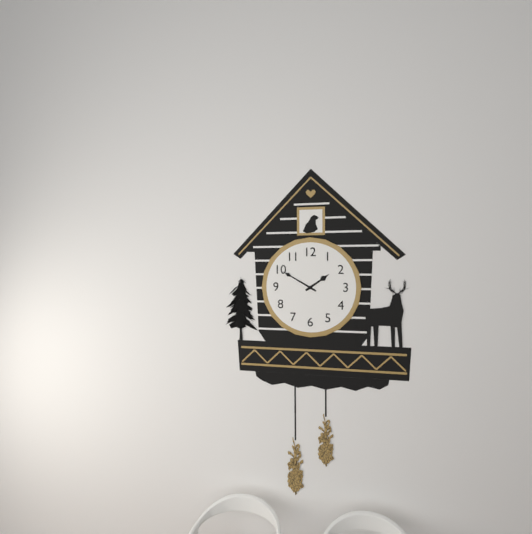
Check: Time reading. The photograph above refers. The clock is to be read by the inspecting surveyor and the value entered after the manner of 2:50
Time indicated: 1:50
